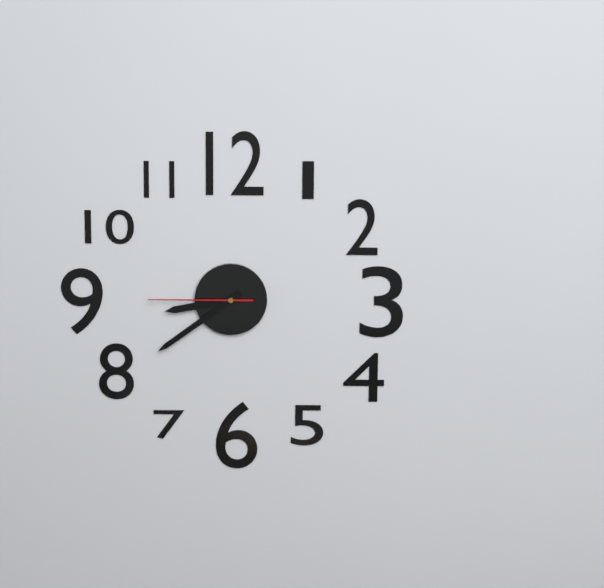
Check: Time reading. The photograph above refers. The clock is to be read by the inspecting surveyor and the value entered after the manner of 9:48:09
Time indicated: 8:39:45
